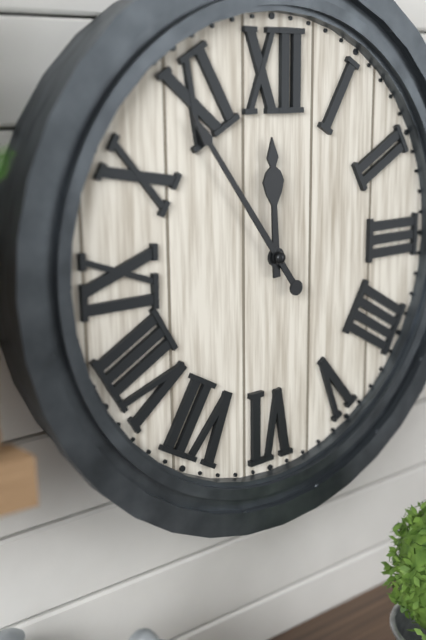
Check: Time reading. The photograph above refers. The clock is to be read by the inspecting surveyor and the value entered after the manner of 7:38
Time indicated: 11:54
